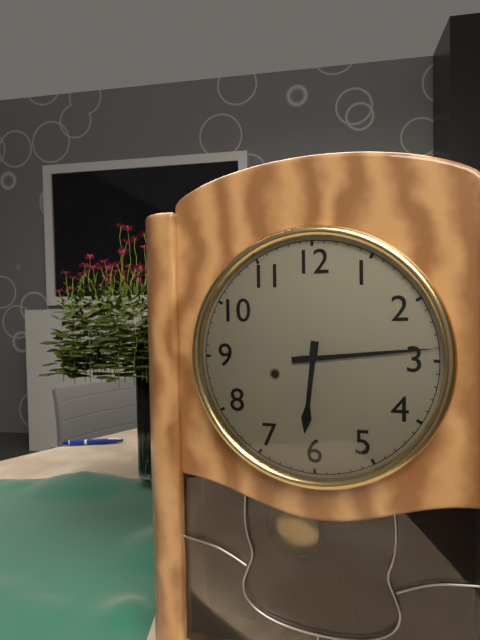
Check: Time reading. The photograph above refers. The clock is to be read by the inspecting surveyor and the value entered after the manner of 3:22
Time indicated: 6:14
